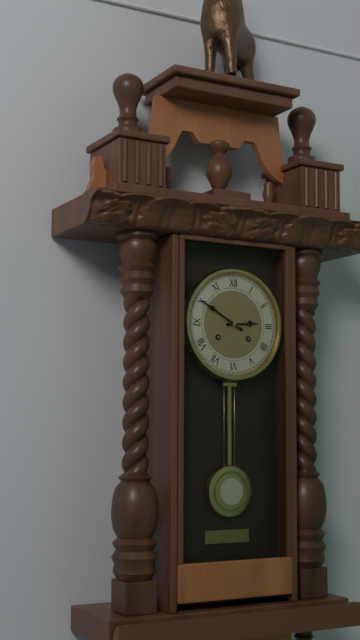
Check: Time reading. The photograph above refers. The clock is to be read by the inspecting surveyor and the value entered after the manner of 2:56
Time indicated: 2:50
